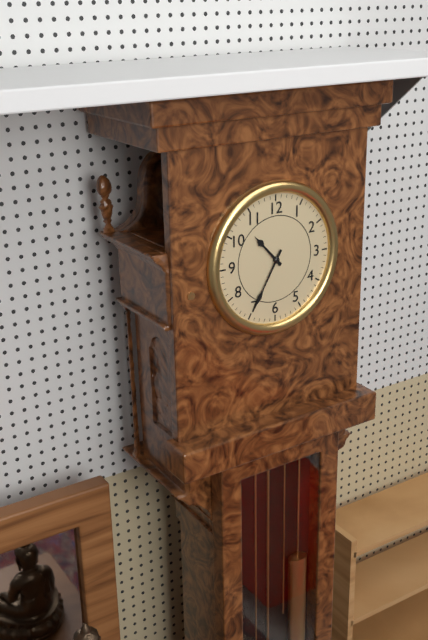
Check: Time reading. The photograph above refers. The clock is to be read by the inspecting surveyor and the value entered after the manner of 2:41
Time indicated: 10:35
